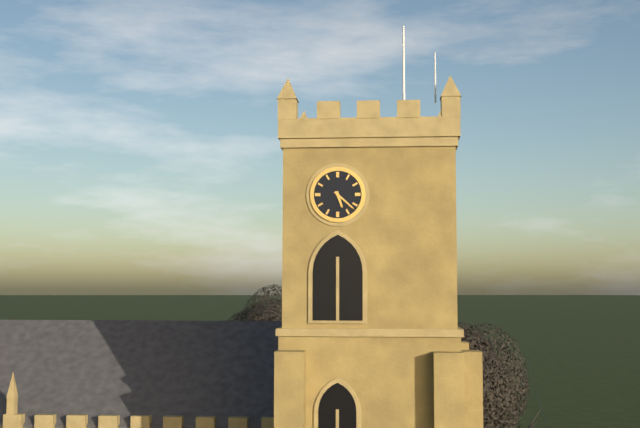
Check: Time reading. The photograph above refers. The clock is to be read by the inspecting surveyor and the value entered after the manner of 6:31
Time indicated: 5:22
